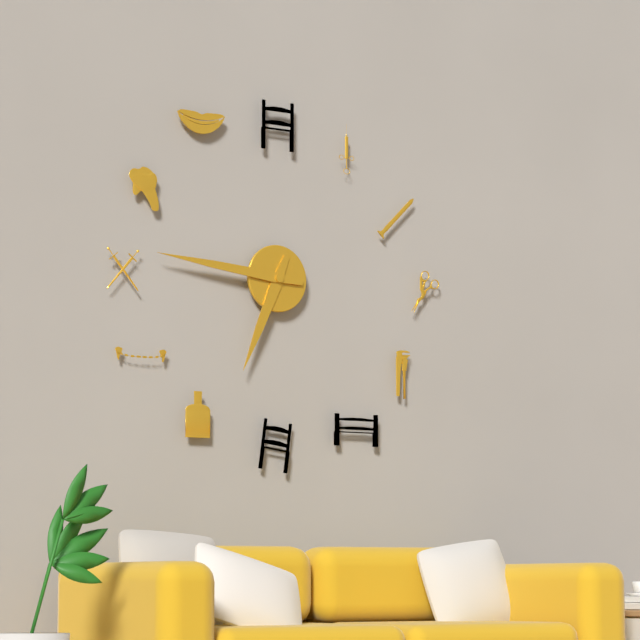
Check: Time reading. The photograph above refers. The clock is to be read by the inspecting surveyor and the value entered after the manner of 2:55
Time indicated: 6:46
